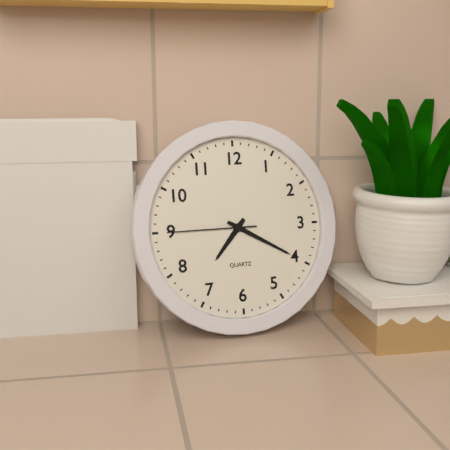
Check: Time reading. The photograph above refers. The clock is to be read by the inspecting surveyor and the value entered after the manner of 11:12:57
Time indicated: 7:20:45
